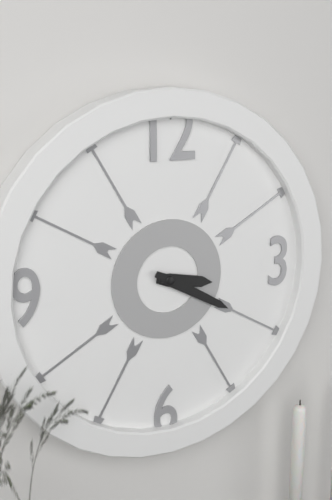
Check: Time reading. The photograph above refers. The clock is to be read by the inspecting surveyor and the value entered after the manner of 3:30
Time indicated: 3:20
